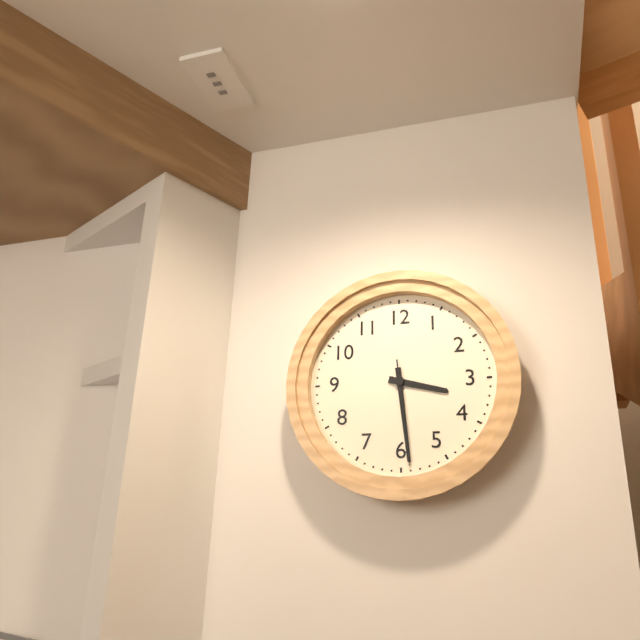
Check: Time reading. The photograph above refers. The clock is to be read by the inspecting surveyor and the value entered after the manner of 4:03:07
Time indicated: 3:29:29
